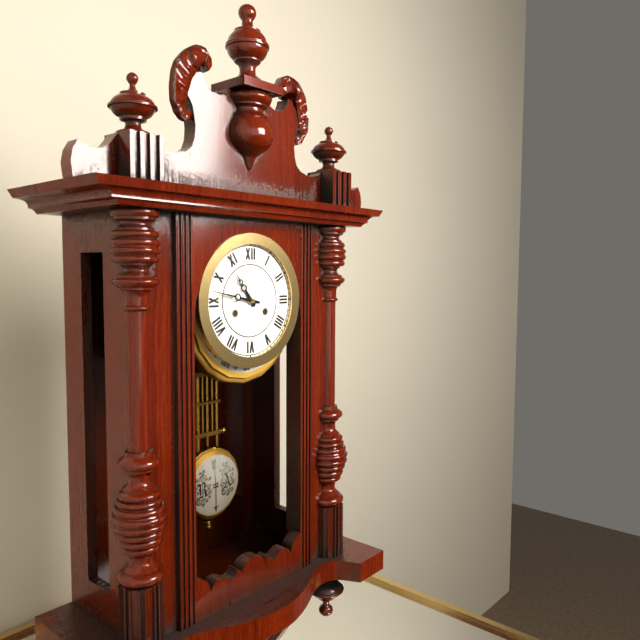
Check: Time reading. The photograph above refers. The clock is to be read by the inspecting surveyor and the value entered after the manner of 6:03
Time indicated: 10:47
